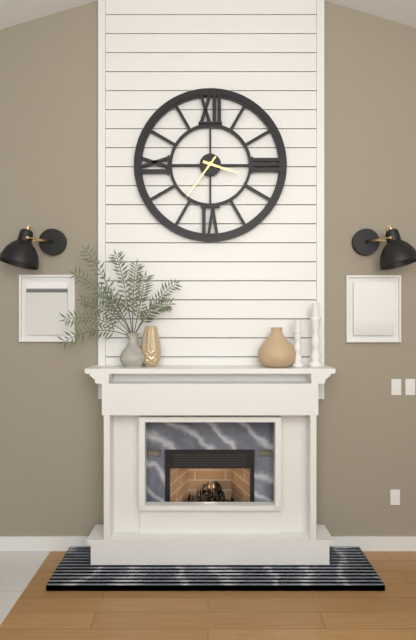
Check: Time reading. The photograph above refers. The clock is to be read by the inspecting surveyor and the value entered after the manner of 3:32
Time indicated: 3:36
